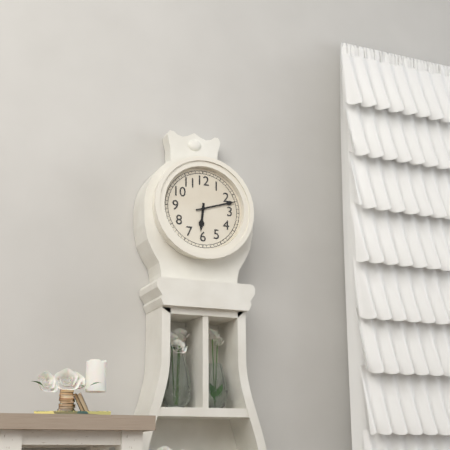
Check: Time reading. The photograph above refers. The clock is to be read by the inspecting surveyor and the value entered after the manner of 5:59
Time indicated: 6:12
